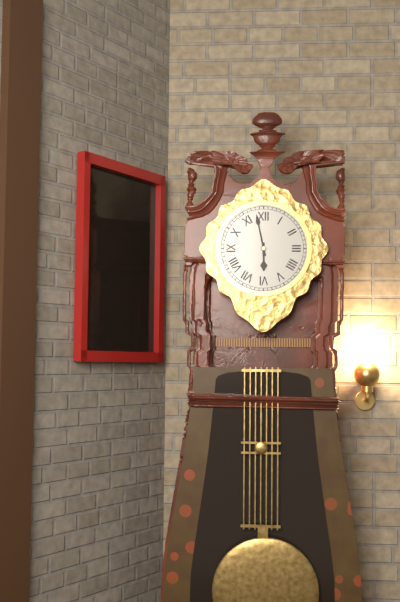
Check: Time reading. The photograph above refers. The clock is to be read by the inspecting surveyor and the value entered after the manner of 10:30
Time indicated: 5:58
